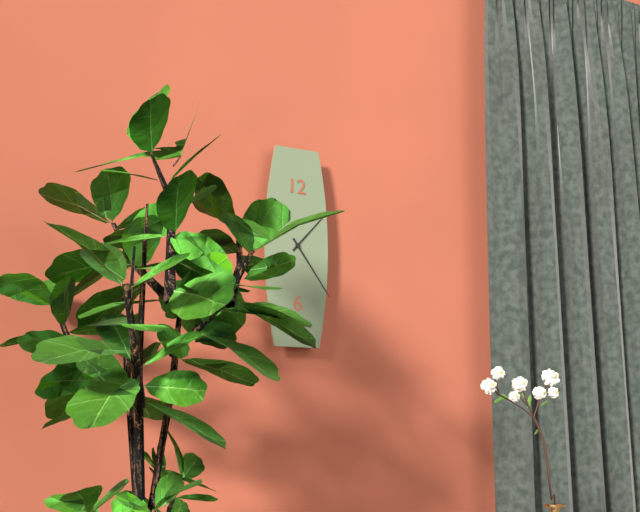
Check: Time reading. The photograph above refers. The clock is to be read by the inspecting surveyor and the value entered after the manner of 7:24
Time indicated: 1:24
